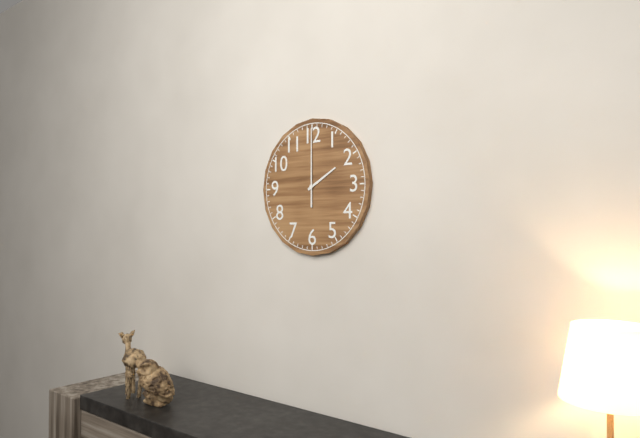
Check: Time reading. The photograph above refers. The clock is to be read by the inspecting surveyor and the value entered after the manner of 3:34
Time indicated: 2:00
